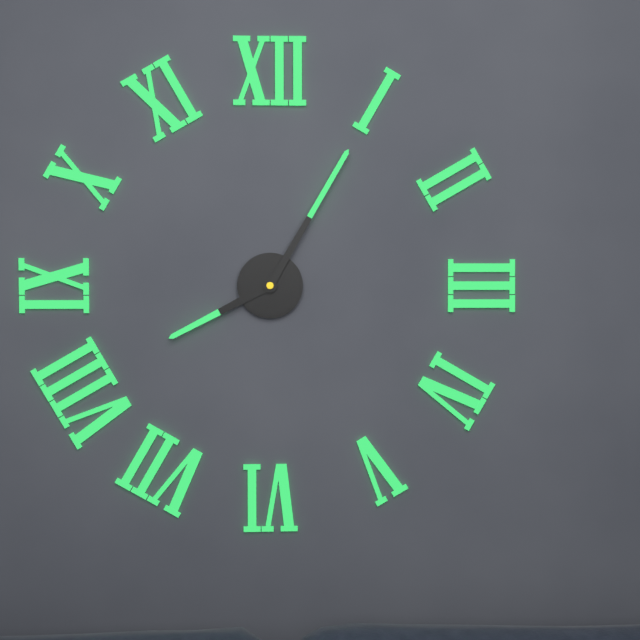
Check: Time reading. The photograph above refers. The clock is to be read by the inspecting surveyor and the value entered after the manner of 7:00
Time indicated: 8:05
